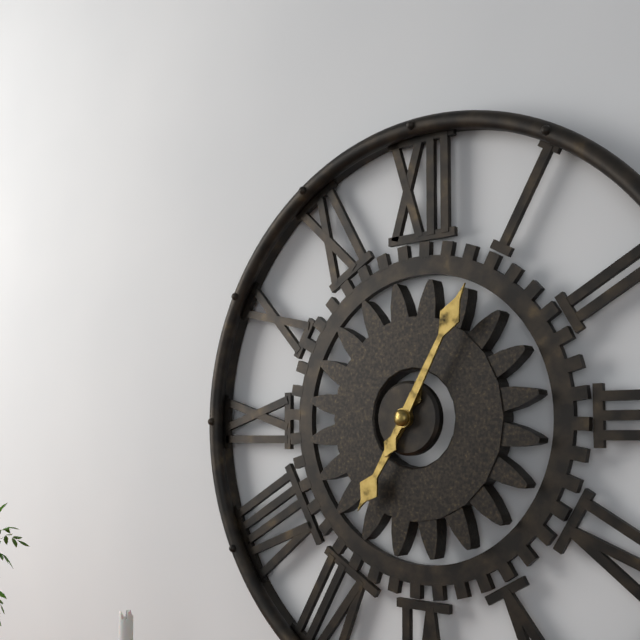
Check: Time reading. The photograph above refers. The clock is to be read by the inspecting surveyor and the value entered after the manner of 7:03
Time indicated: 7:05
